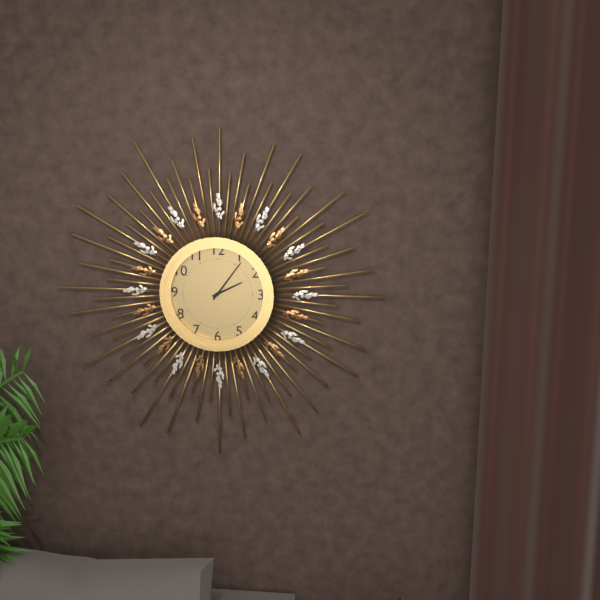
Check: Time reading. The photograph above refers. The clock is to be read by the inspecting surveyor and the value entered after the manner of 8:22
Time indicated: 2:06
